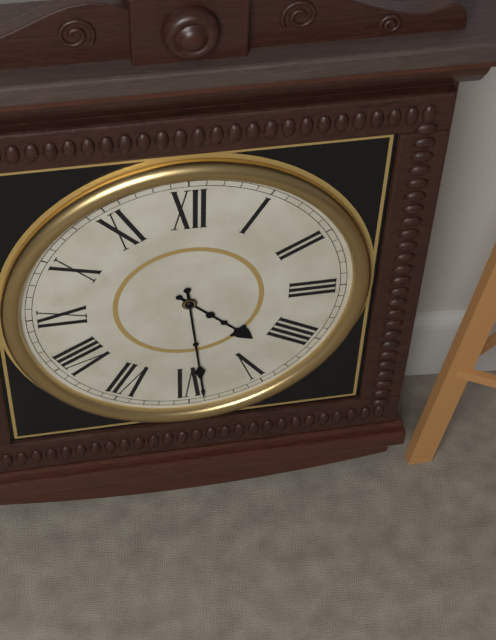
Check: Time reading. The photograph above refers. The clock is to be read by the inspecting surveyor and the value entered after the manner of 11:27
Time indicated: 4:29
